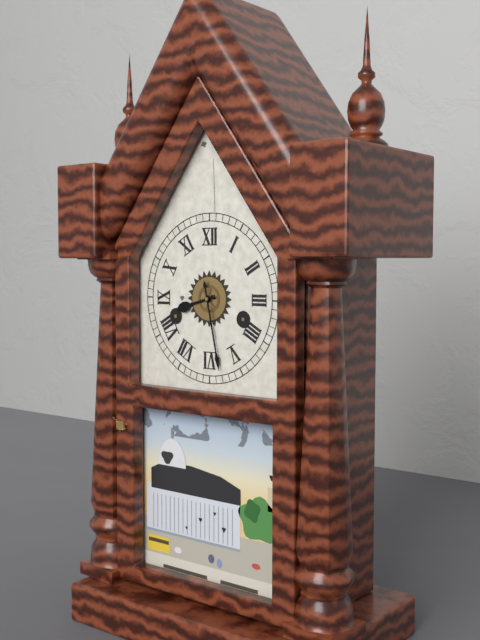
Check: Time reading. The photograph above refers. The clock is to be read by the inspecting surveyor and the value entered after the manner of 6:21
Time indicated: 8:28
